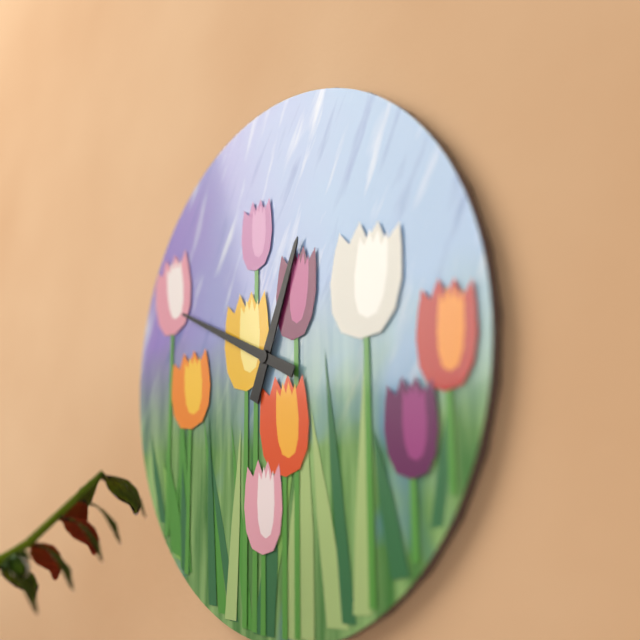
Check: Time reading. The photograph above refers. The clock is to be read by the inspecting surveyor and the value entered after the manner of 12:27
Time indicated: 12:49
